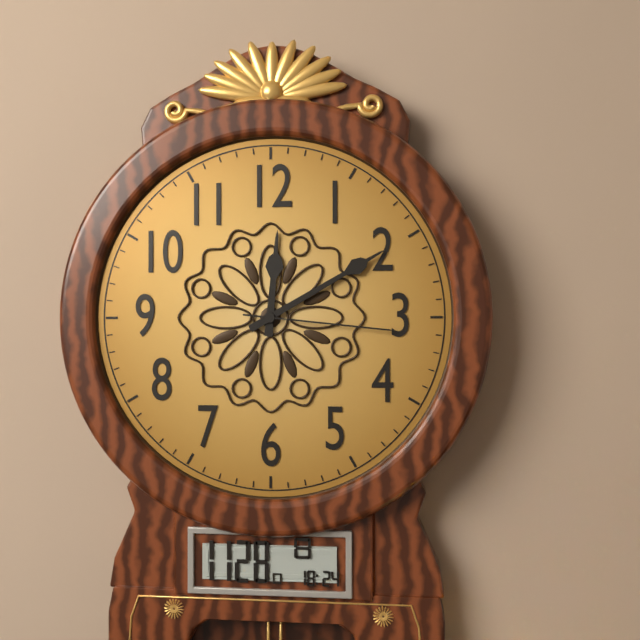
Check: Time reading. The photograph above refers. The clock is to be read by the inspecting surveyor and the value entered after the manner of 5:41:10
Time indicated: 12:10:16
